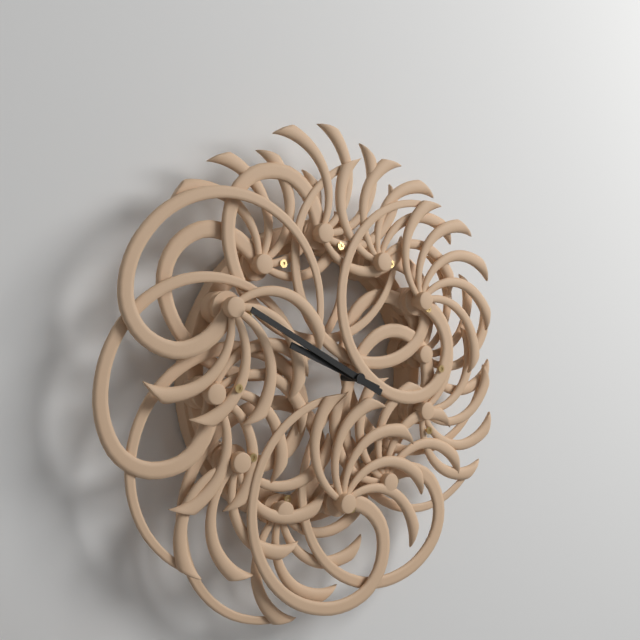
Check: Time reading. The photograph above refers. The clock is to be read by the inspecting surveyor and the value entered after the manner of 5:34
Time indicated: 9:50
